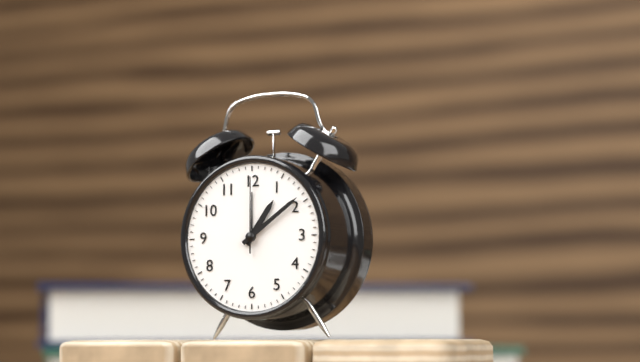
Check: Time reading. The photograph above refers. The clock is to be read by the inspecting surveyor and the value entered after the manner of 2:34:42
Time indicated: 1:09:00
